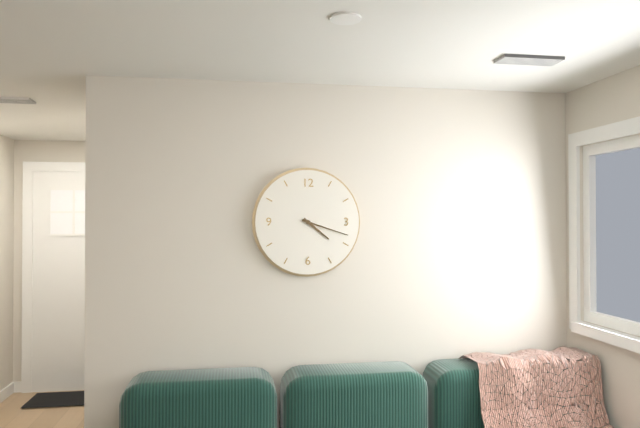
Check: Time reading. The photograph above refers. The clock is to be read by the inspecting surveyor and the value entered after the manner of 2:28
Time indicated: 4:18
